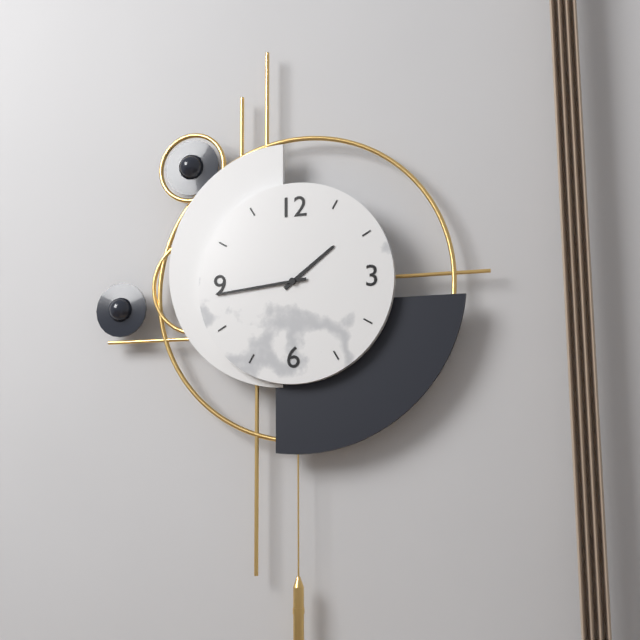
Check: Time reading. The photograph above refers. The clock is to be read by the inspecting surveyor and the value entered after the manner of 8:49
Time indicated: 1:44
